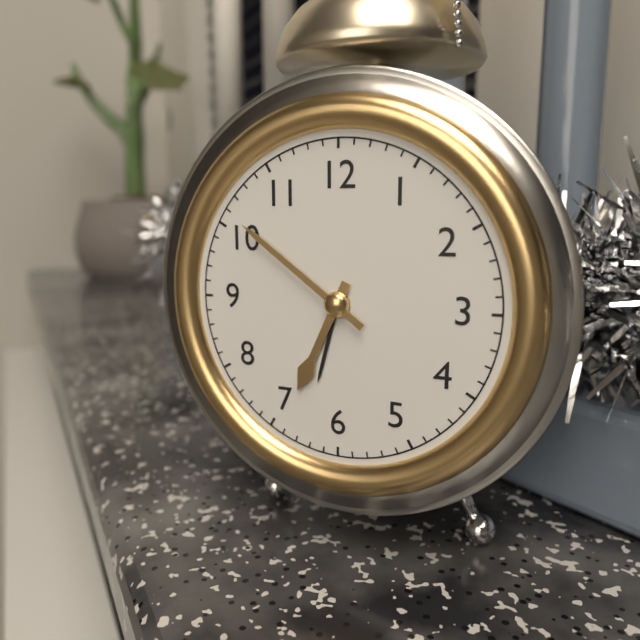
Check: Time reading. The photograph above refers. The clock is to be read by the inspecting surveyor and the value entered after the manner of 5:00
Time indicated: 6:51
